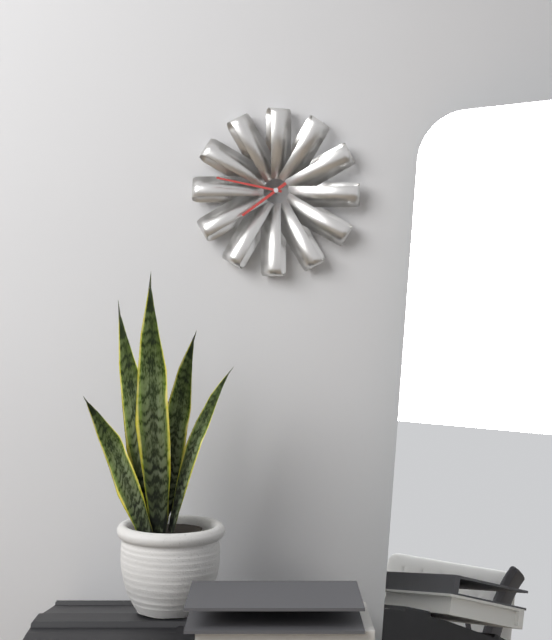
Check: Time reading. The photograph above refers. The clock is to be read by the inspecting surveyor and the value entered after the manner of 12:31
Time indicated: 7:47
